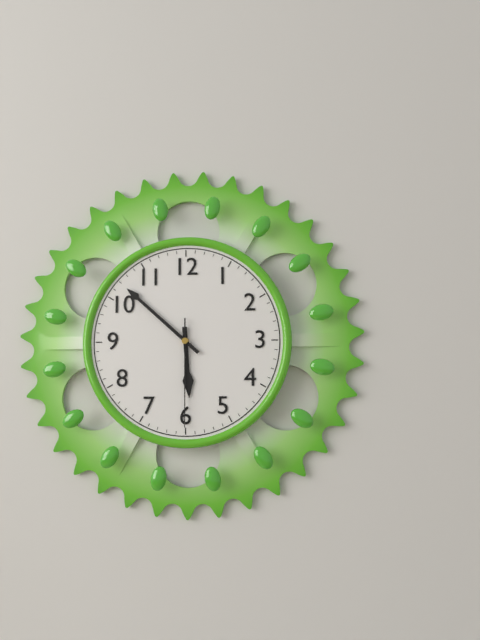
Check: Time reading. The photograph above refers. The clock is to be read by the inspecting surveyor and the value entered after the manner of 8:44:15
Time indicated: 5:52:30
